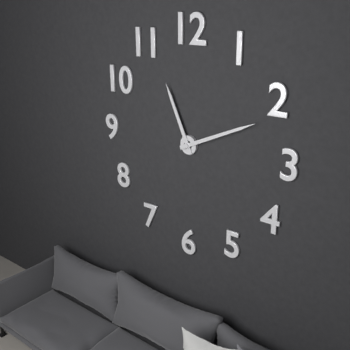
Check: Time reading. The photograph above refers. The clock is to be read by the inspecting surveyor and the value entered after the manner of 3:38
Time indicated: 11:11
